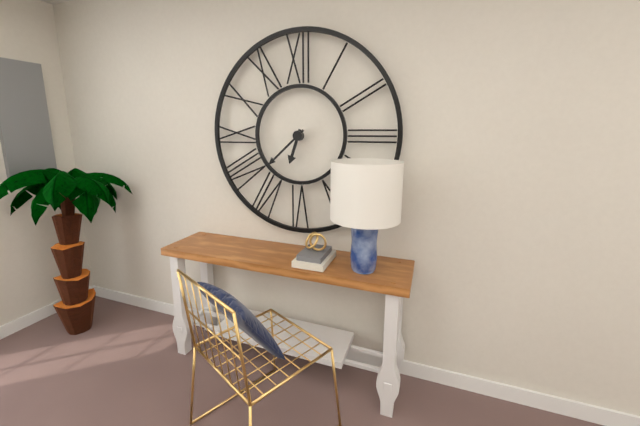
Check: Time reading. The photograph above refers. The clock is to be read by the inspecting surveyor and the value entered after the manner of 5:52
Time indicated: 6:38
